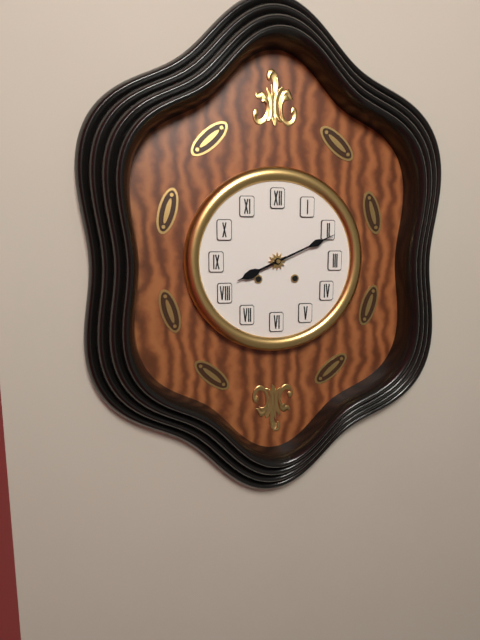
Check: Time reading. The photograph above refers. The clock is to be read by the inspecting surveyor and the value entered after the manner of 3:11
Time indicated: 8:11
